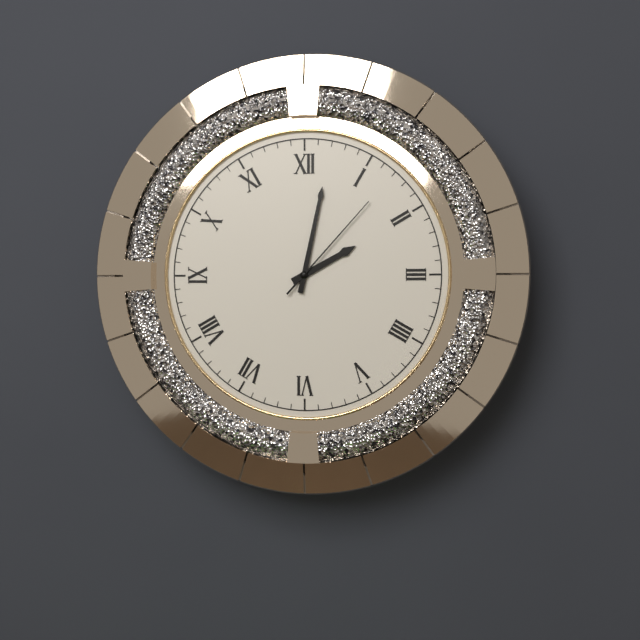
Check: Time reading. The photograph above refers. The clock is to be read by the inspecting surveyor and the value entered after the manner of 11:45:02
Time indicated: 2:02:07
